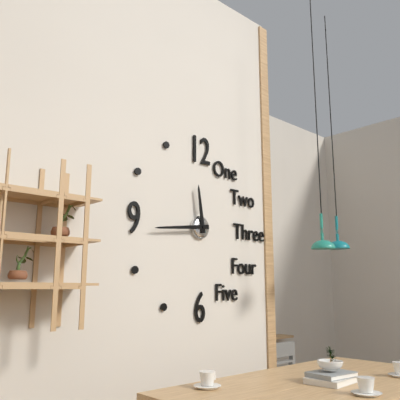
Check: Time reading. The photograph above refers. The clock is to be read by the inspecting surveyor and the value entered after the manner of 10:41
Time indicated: 11:44
